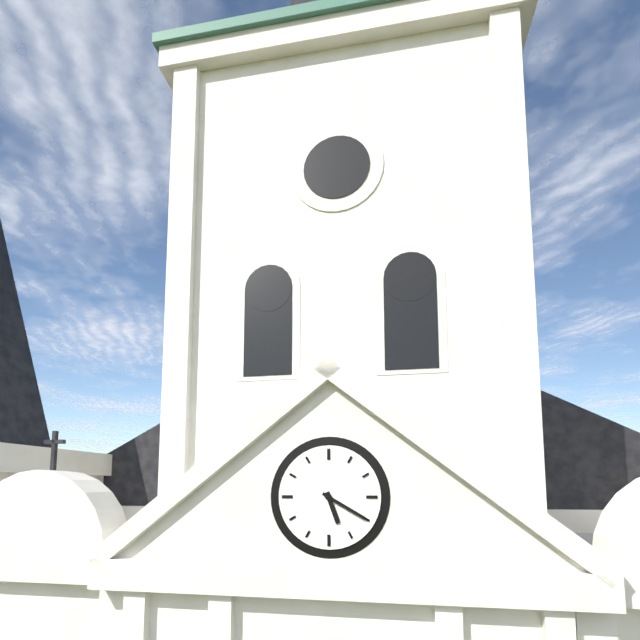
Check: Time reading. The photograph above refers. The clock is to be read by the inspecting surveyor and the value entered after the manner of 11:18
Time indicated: 5:20
